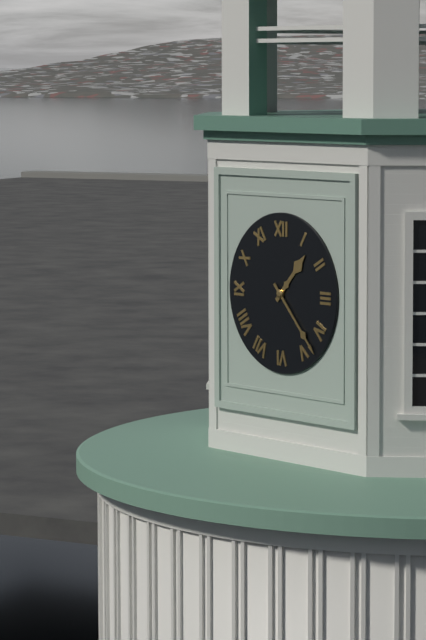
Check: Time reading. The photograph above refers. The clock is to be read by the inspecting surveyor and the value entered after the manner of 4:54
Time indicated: 1:23
